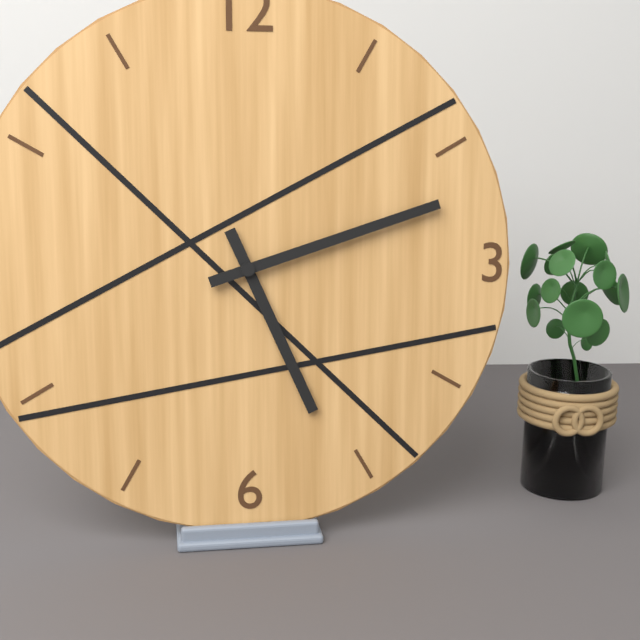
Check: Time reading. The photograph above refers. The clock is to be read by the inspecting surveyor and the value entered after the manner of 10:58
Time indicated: 5:12
